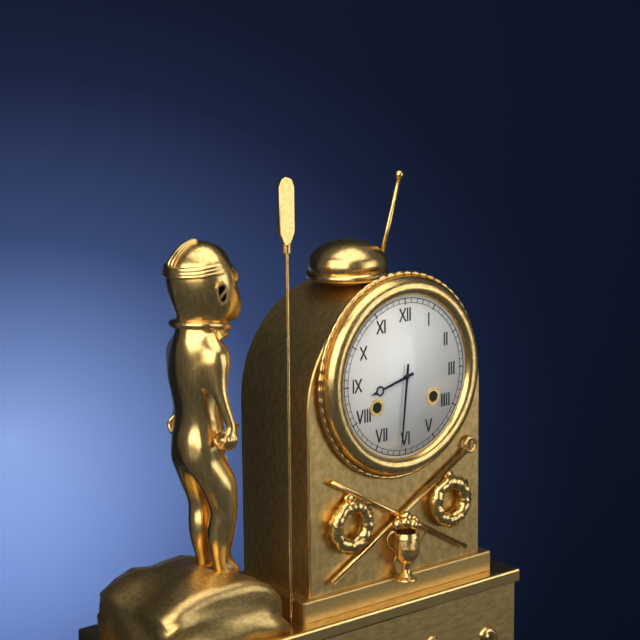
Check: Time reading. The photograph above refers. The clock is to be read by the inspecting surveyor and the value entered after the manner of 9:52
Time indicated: 8:31
